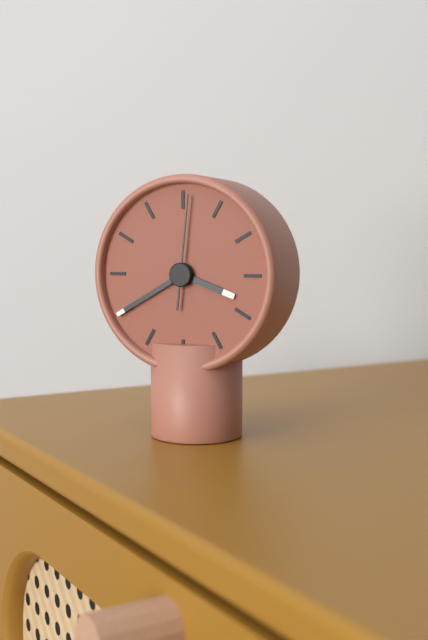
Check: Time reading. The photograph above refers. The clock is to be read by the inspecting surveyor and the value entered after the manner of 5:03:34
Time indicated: 3:40:01
